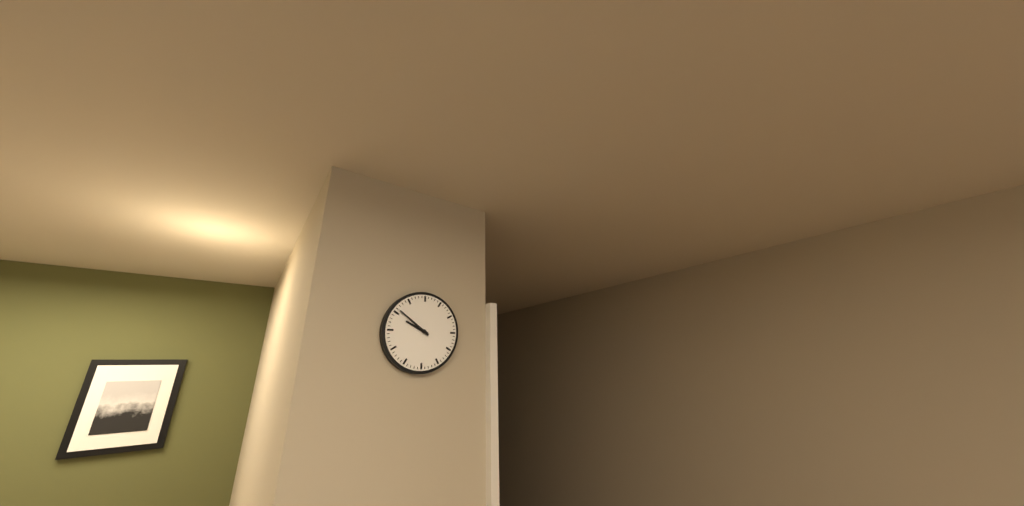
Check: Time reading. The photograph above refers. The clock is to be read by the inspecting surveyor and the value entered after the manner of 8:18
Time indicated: 9:51
